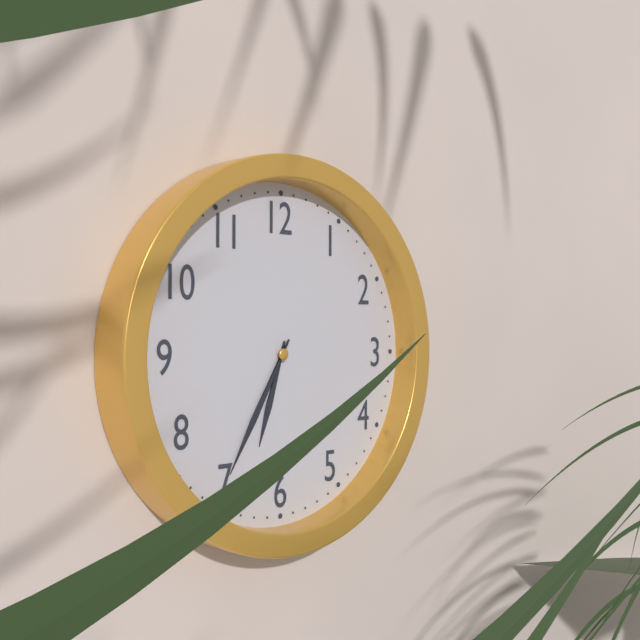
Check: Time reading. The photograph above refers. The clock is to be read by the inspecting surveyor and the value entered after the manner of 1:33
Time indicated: 6:35
